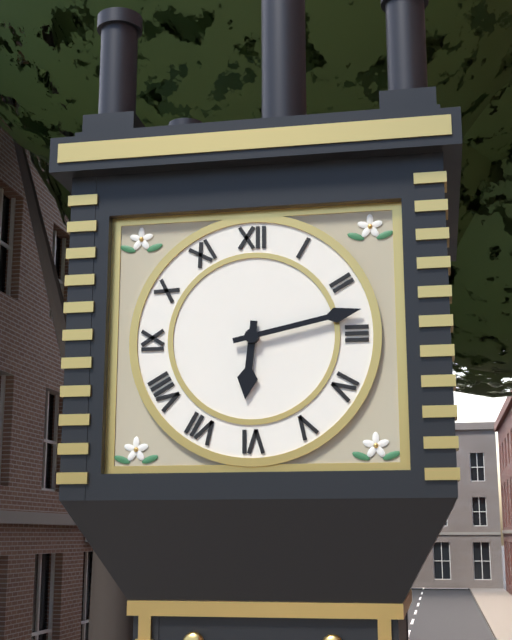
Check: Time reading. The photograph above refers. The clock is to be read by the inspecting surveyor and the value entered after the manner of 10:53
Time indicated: 6:13
